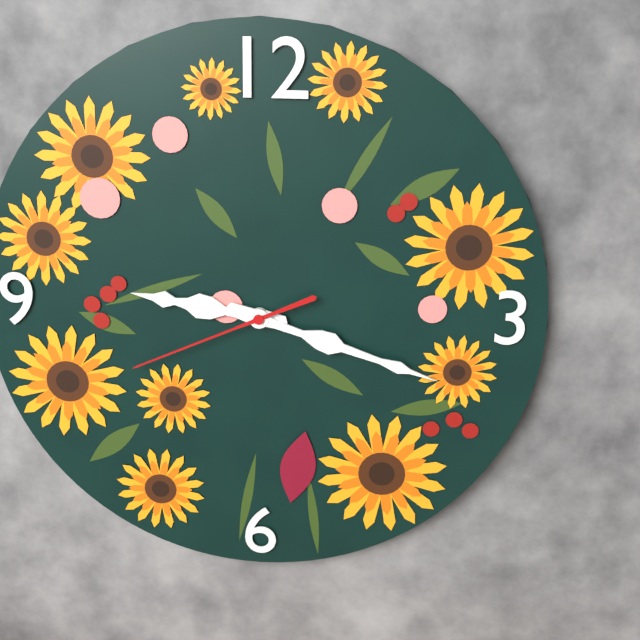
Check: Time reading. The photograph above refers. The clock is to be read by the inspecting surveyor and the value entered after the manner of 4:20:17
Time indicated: 9:18:41
